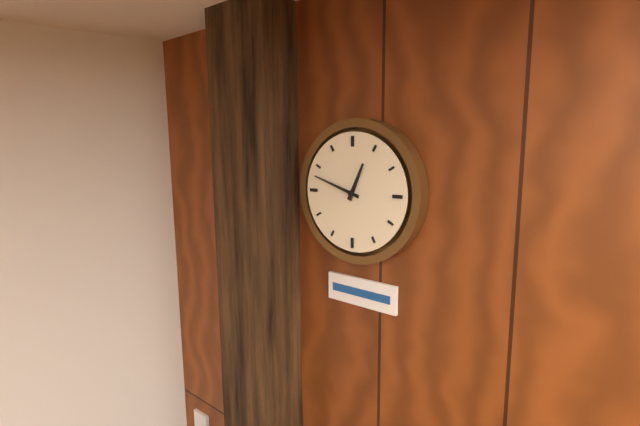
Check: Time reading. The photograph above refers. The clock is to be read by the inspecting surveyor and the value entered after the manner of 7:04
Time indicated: 12:48
